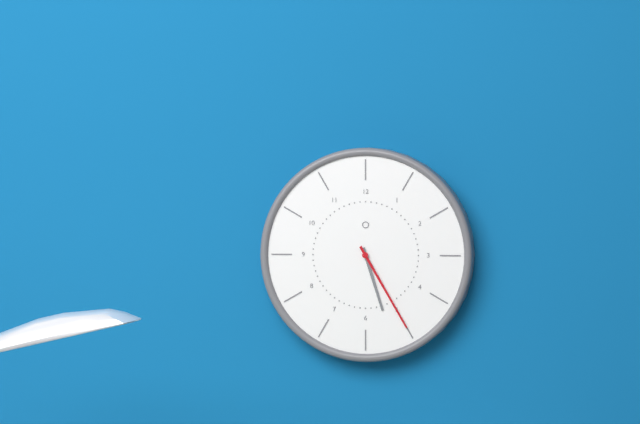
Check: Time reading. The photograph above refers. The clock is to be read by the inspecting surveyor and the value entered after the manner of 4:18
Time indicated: 5:25
